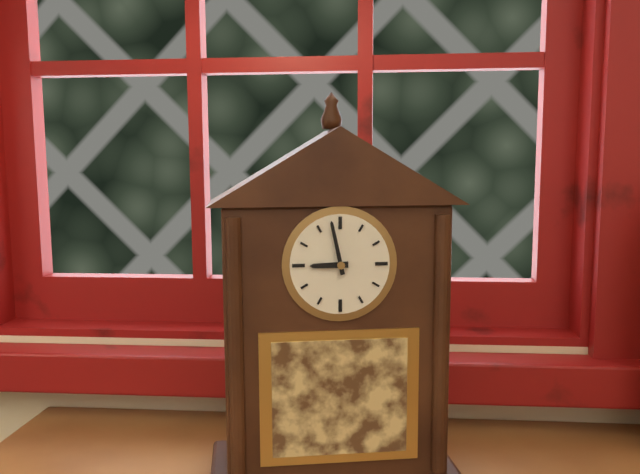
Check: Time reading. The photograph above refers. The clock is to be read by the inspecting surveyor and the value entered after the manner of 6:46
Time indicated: 8:58
